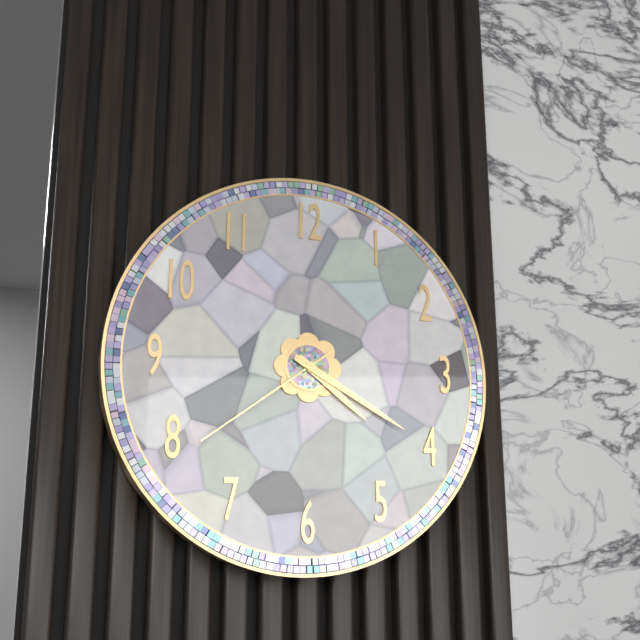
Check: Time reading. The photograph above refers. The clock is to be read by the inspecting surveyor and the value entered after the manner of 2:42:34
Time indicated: 4:20:39
